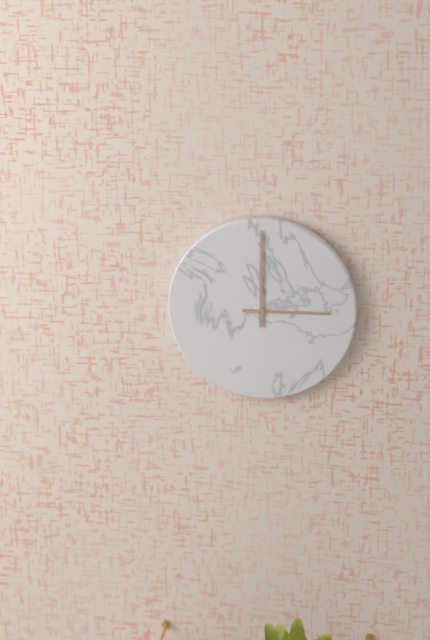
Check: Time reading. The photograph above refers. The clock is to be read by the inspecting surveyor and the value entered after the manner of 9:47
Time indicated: 3:00
